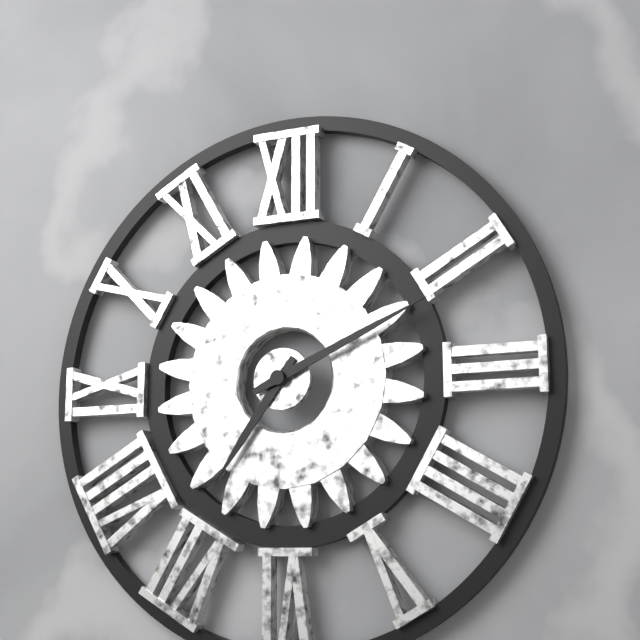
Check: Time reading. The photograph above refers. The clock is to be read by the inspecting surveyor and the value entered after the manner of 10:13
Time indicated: 7:11
